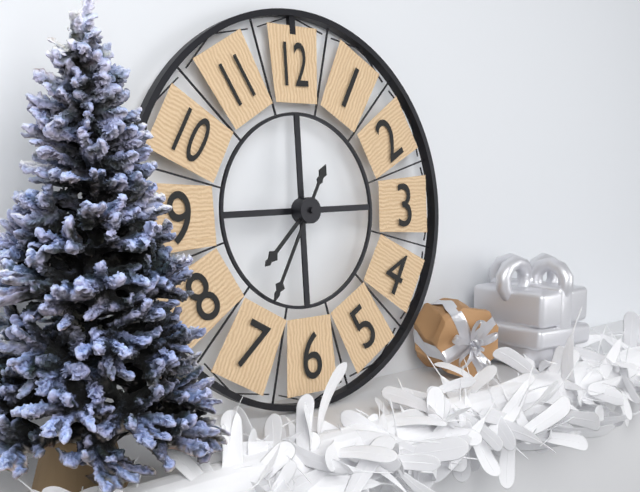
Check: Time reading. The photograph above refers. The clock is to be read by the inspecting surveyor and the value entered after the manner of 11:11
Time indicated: 7:35
